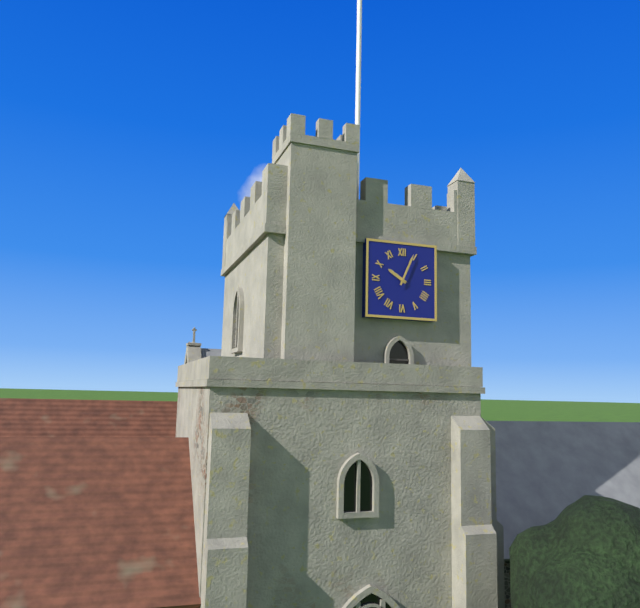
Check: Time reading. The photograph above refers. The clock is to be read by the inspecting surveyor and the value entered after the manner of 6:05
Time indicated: 10:04
